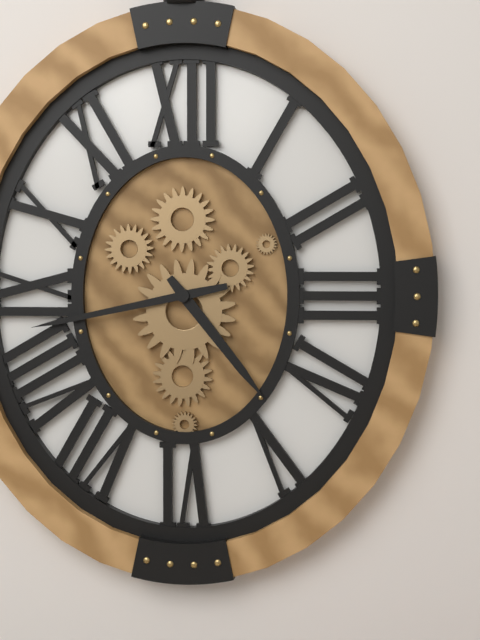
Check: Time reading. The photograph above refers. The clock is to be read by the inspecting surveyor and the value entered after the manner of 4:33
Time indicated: 4:43
